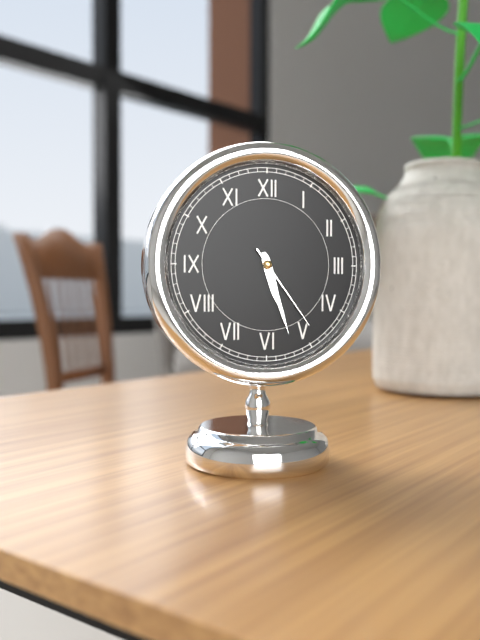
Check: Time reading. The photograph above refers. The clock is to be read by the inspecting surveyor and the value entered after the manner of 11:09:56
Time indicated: 5:27:24
